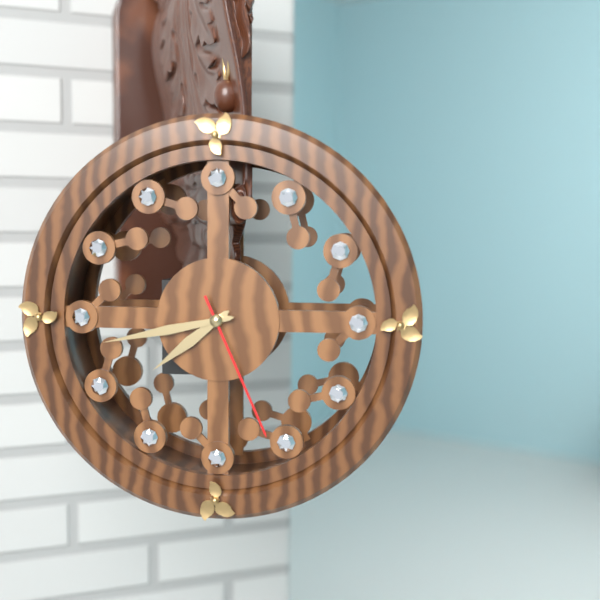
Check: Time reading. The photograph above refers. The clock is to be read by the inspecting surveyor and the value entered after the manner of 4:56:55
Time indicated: 7:43:26
